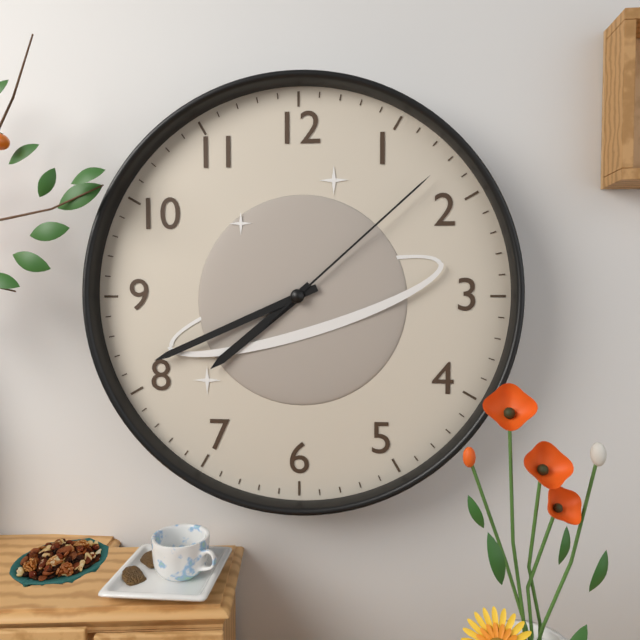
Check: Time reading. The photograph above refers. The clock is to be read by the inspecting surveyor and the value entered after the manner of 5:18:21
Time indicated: 7:41:08
